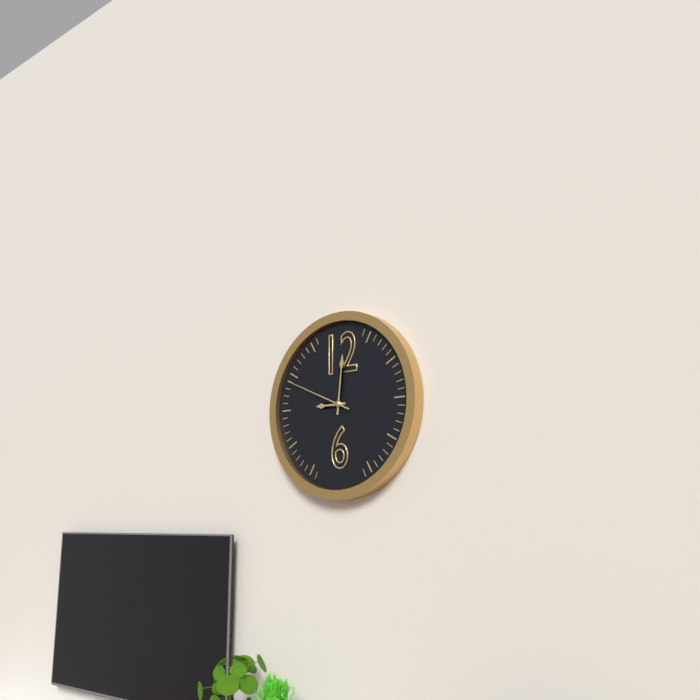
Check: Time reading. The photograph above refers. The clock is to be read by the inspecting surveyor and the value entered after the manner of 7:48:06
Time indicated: 9:01:49
